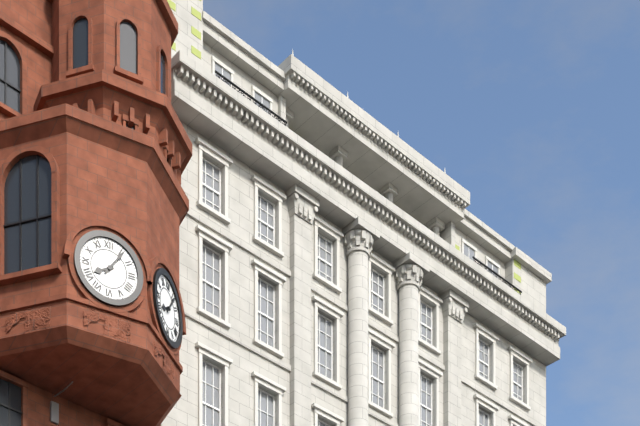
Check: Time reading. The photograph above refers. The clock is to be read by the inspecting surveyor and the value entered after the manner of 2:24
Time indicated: 8:06
